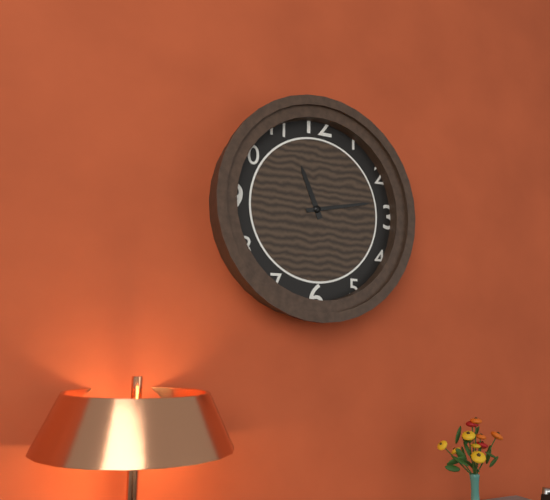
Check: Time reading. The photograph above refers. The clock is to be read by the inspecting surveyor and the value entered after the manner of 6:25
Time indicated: 11:13
